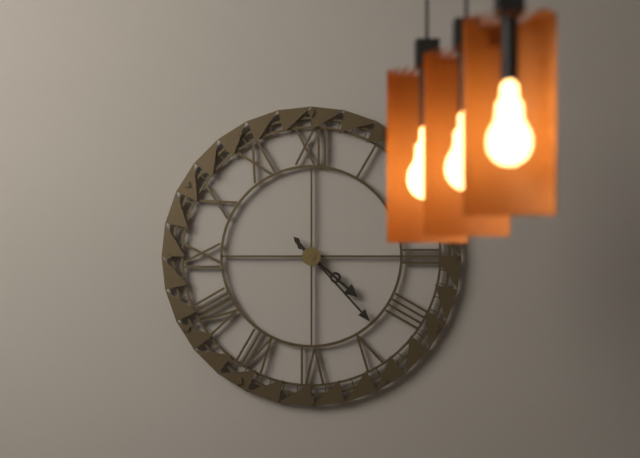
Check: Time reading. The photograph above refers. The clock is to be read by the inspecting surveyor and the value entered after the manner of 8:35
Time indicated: 4:23
